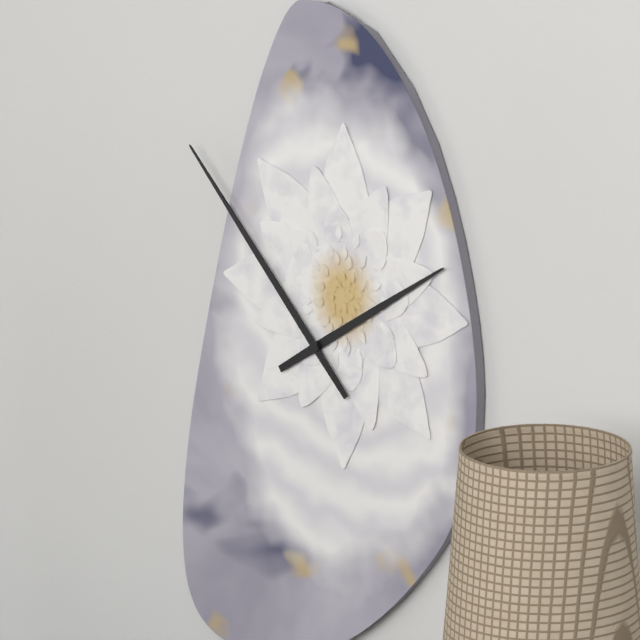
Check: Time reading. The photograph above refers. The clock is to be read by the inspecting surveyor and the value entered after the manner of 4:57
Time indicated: 1:53
